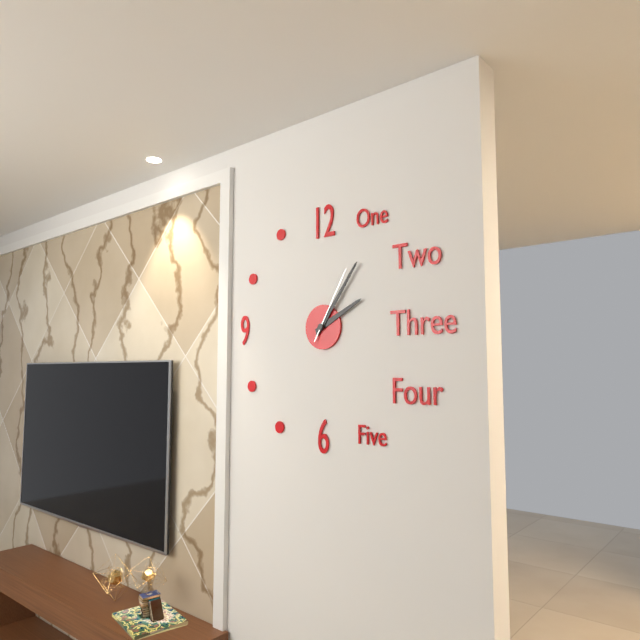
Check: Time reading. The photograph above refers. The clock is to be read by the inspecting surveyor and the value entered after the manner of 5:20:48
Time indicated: 2:06:05
